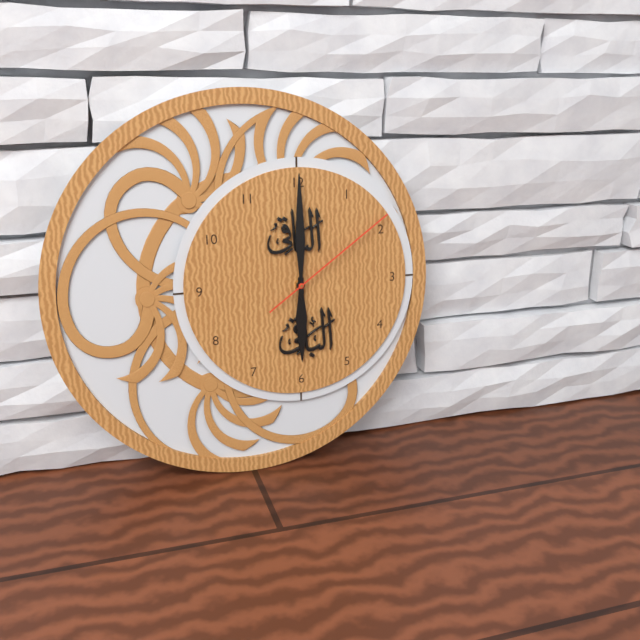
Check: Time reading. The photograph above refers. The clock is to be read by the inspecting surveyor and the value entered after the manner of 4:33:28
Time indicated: 6:00:09
